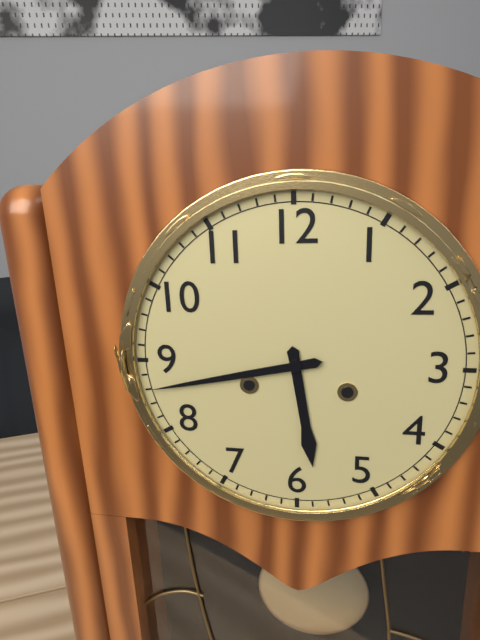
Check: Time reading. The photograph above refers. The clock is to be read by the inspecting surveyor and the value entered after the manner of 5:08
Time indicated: 5:43
